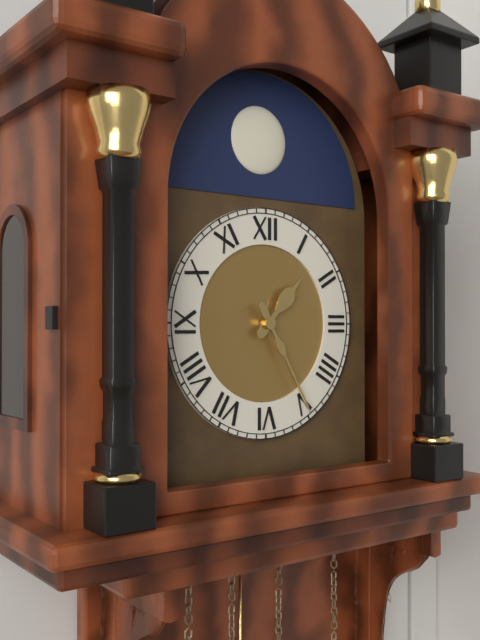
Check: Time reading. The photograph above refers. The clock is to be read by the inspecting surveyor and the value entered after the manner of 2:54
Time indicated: 1:25
